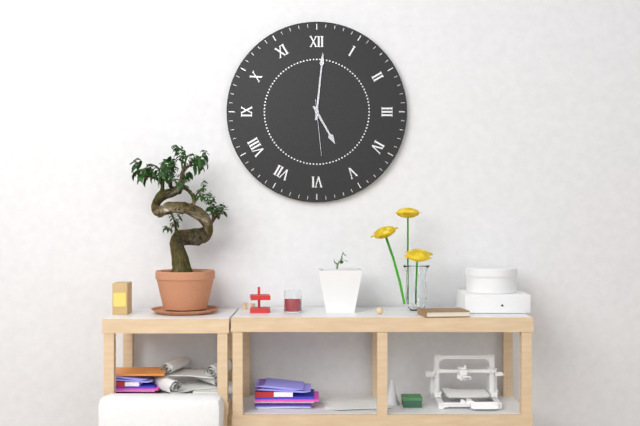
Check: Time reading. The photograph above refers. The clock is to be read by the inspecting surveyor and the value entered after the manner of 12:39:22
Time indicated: 5:01:29
